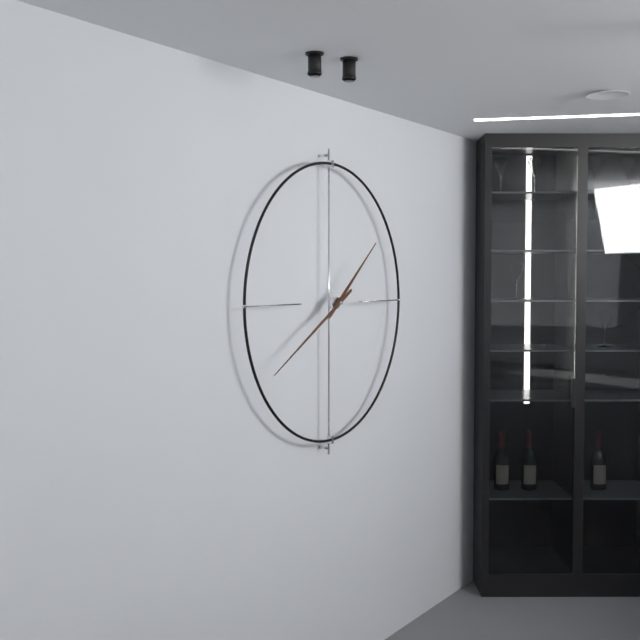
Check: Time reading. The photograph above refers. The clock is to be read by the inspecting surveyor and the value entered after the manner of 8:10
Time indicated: 1:40
